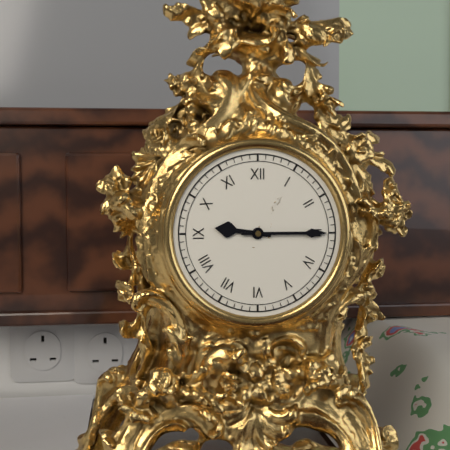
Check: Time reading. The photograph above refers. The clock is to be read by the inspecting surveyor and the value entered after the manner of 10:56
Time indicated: 9:15
